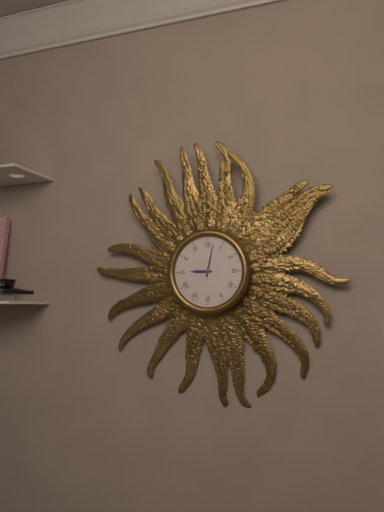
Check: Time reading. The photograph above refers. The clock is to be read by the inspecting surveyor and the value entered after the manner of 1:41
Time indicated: 9:02
